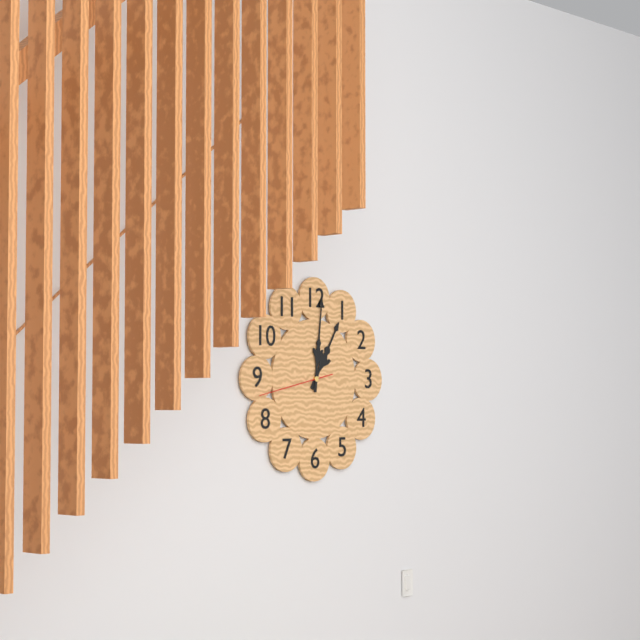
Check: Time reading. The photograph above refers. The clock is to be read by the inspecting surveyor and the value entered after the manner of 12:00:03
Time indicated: 1:01:43
